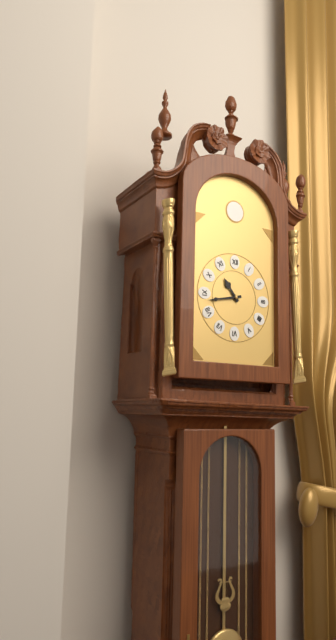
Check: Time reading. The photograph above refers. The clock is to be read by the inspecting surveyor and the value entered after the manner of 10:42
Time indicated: 10:43
